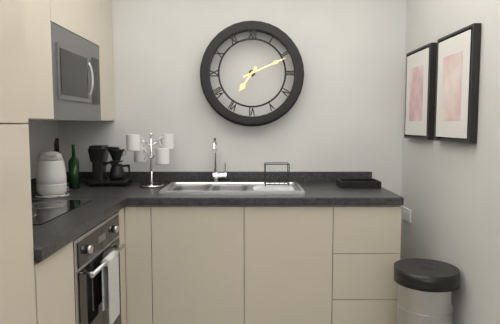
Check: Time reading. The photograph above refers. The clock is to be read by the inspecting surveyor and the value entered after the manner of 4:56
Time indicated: 7:11
